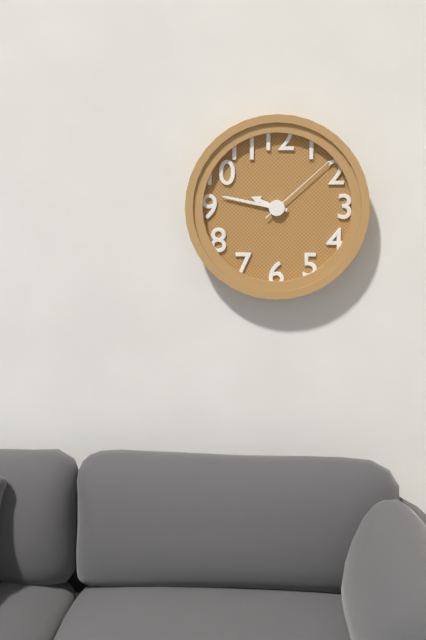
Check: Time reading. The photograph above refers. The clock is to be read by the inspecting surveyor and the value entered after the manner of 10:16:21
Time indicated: 9:47:08
